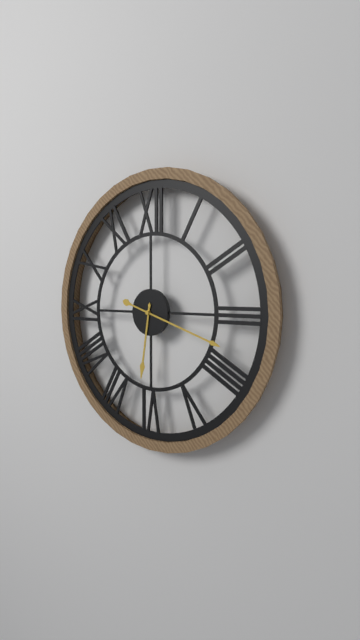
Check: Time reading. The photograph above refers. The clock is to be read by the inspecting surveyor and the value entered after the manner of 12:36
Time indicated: 6:18
